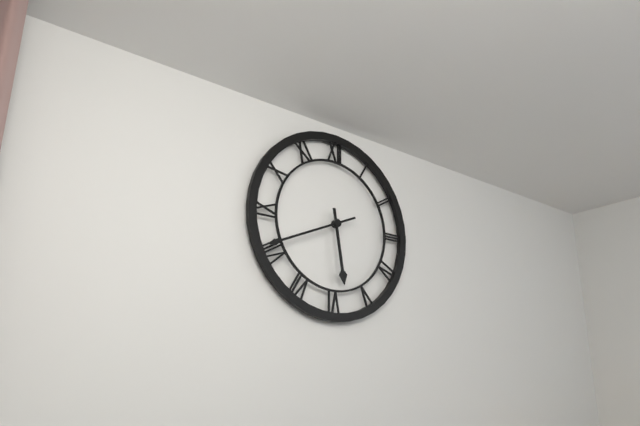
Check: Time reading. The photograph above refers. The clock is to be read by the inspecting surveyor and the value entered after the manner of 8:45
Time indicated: 5:41
